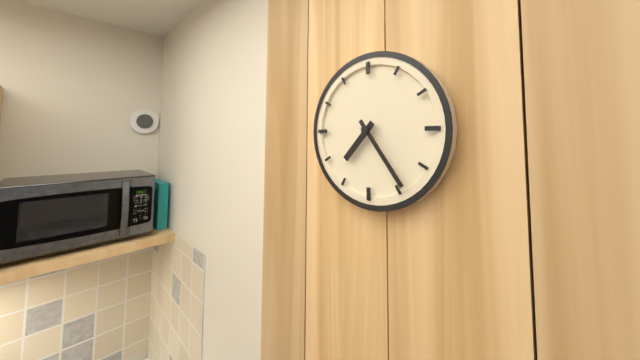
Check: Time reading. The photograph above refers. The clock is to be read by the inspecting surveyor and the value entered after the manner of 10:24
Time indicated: 7:24
